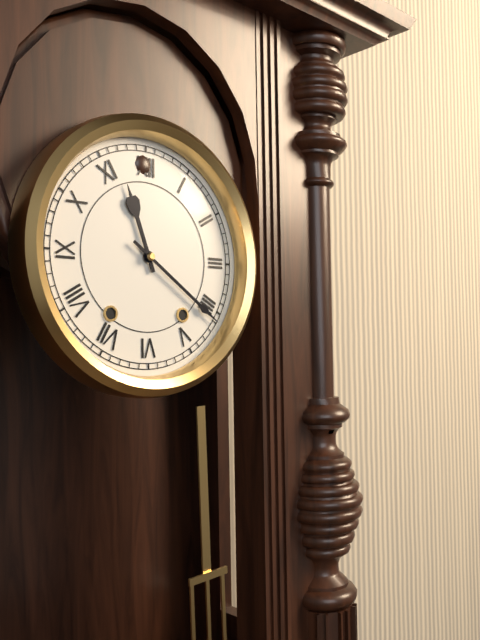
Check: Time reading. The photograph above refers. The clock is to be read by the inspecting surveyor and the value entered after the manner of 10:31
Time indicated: 11:21
